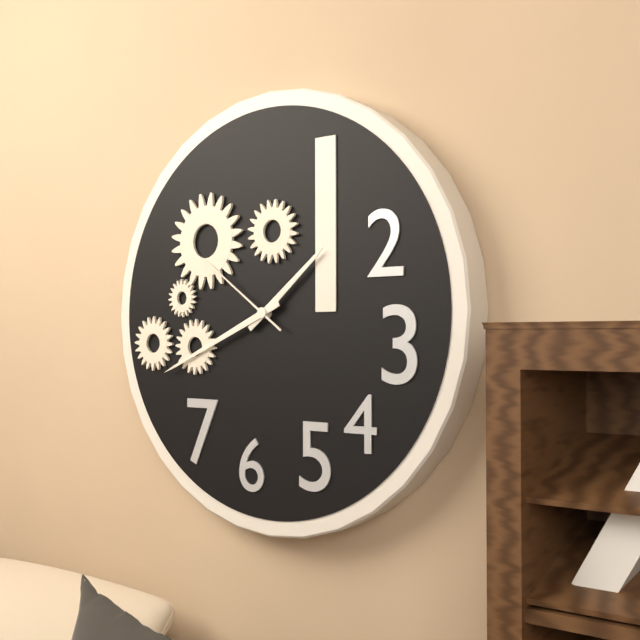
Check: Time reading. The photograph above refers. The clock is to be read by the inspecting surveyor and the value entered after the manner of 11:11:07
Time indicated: 1:41:51
